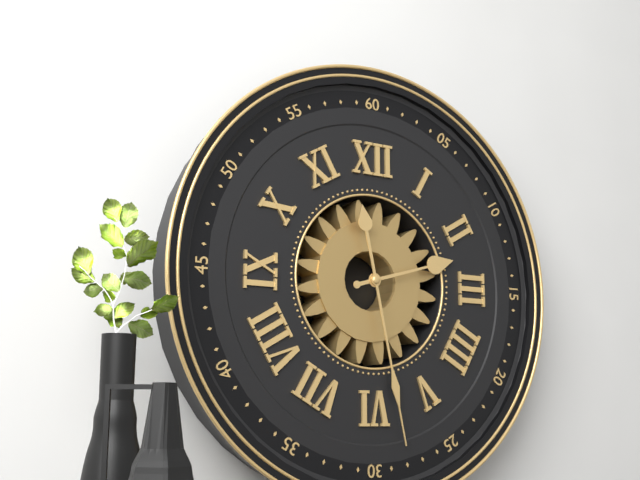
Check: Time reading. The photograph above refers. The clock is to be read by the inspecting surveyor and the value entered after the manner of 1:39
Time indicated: 2:28
